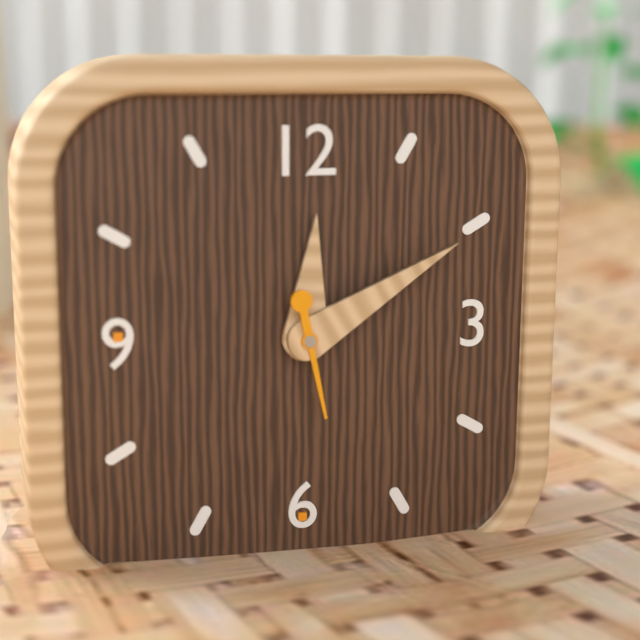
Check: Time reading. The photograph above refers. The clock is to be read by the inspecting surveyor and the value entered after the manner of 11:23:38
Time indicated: 12:10:28
